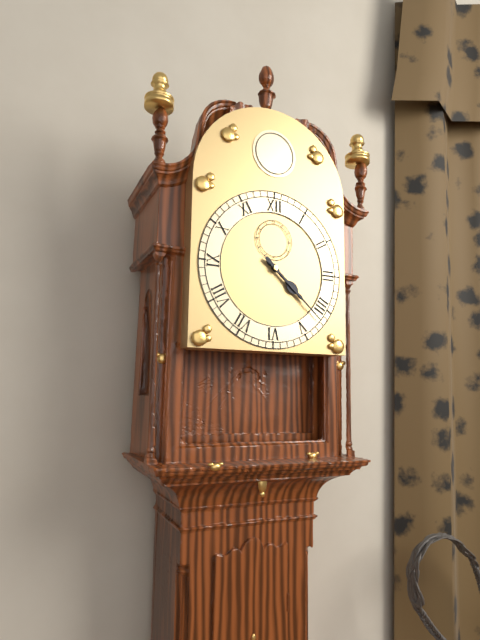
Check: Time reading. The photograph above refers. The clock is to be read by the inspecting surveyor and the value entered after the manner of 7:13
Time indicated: 4:22
